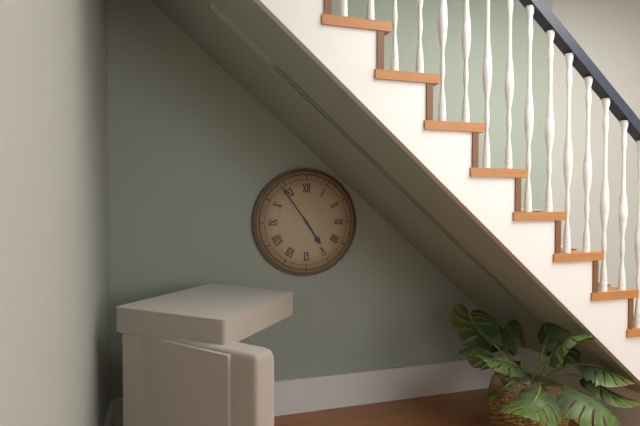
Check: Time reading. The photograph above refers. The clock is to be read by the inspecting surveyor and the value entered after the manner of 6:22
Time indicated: 4:54
